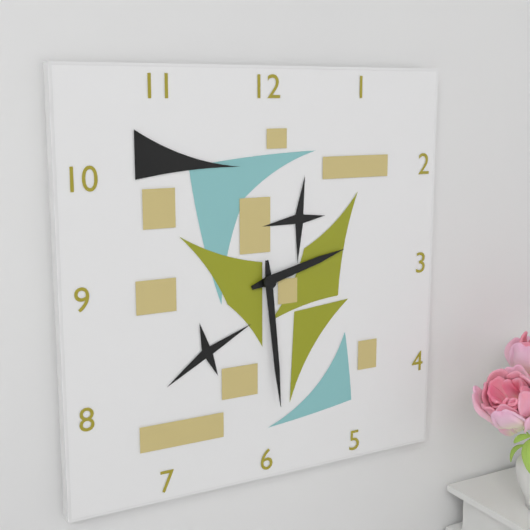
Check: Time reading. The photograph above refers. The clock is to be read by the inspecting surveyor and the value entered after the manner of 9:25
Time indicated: 2:29
